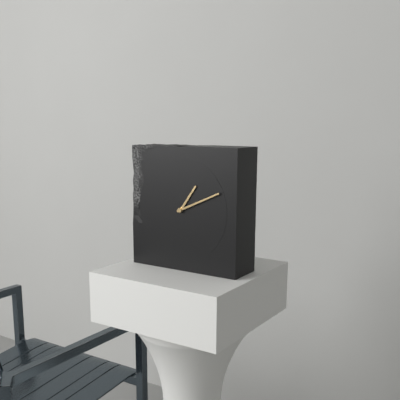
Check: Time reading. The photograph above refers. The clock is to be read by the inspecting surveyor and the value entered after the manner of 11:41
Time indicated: 1:11
